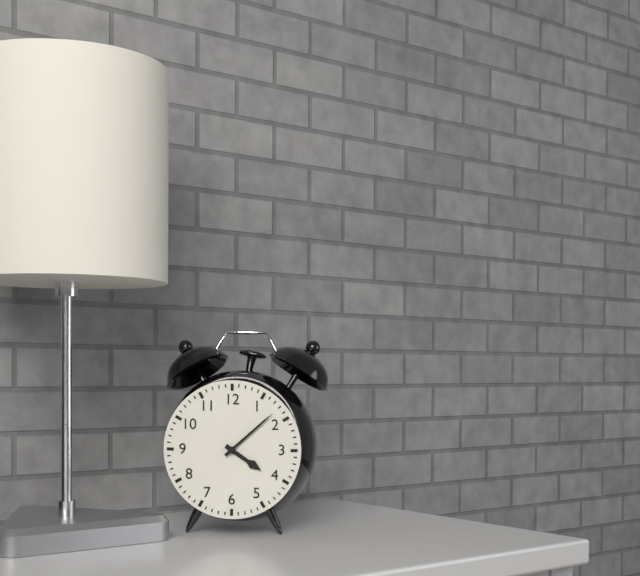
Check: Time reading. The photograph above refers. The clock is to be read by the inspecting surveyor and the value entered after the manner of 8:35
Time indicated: 4:08
